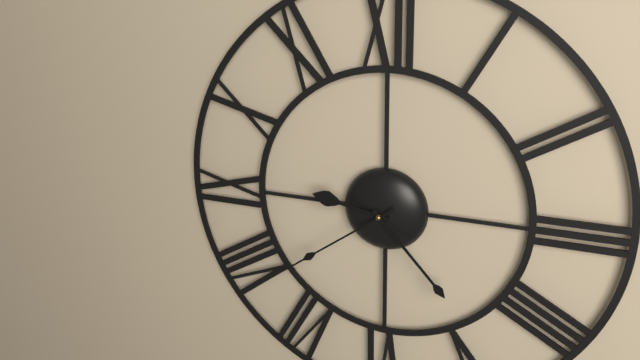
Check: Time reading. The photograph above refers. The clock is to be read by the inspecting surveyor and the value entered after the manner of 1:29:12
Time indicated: 9:23:39
